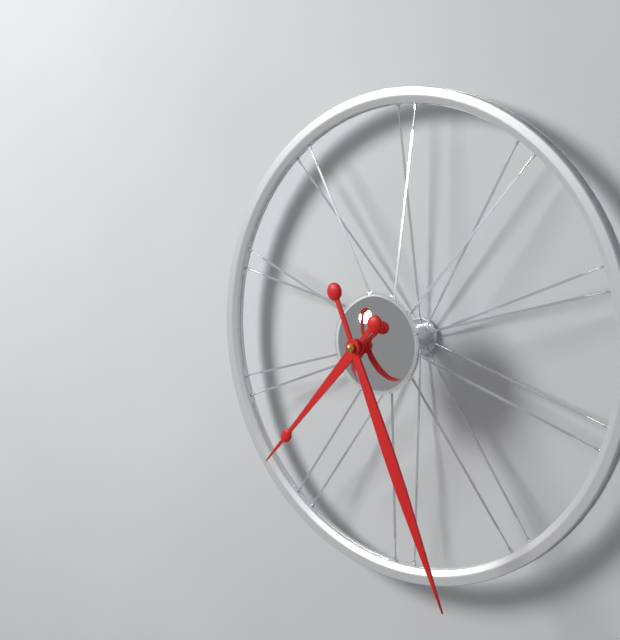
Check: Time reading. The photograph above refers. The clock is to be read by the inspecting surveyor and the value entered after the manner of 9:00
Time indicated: 7:26
